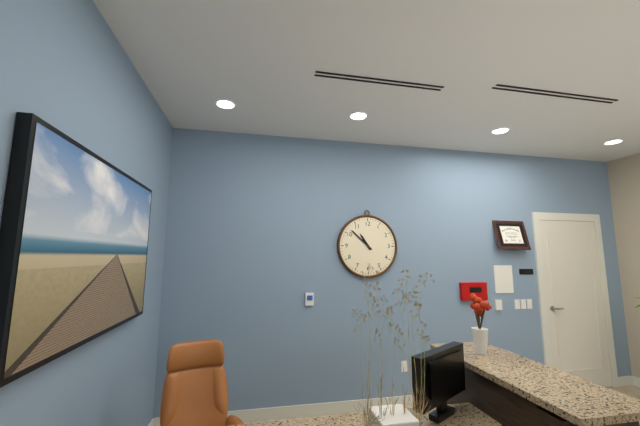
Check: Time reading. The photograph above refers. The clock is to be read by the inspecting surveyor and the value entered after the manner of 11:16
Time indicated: 10:52
